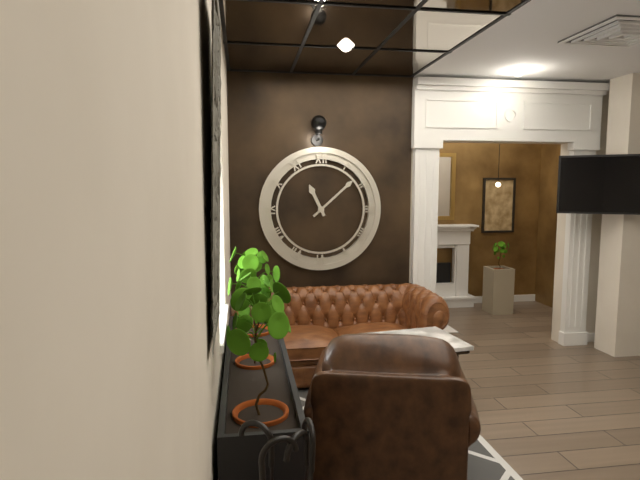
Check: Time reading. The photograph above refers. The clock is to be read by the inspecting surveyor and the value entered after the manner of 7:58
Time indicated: 11:08
